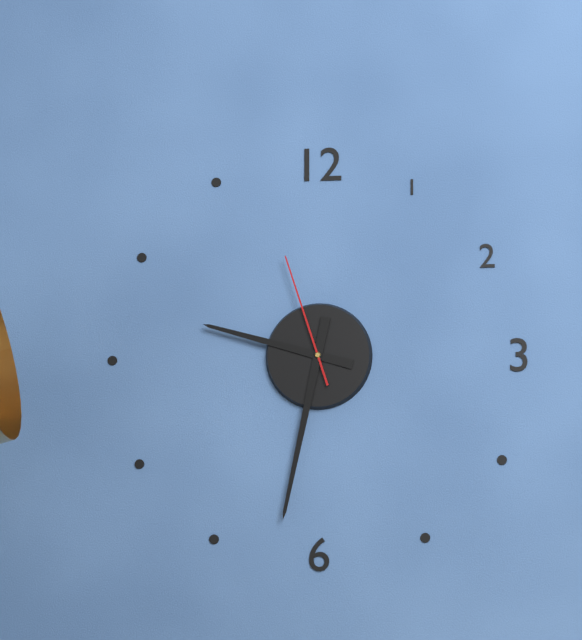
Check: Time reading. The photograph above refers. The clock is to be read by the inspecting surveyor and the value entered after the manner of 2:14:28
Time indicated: 9:32:57
